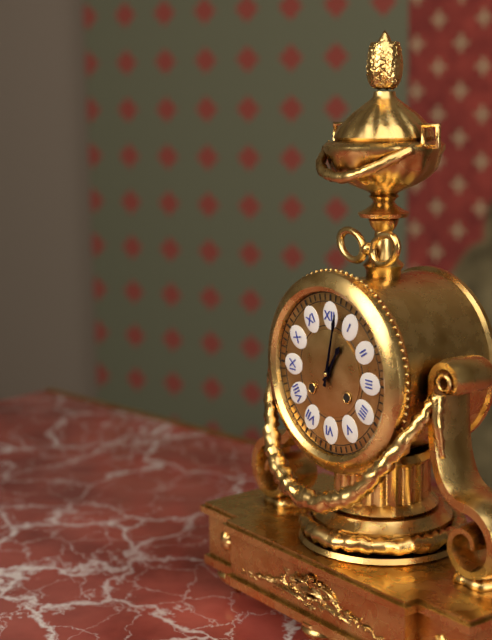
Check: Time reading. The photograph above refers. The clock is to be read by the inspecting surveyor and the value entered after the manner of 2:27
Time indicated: 1:02
